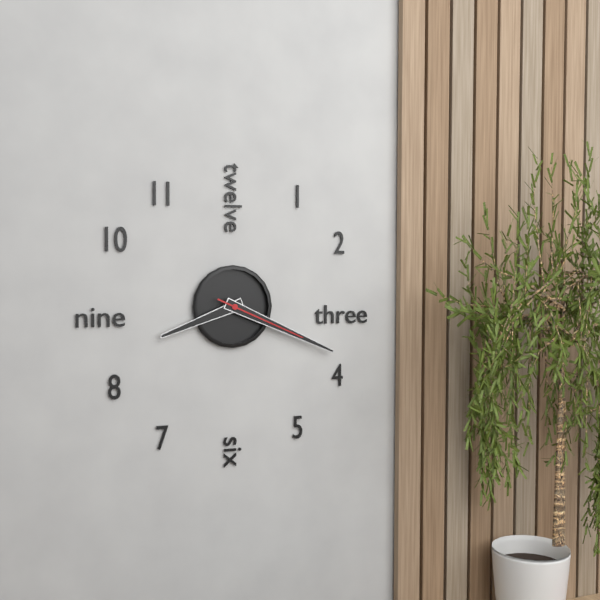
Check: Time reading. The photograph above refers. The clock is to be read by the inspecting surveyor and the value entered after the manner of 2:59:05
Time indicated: 8:19:19
